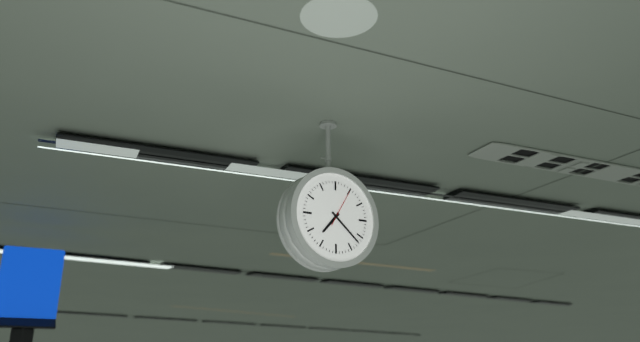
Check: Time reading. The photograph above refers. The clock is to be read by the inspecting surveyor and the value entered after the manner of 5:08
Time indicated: 7:22
